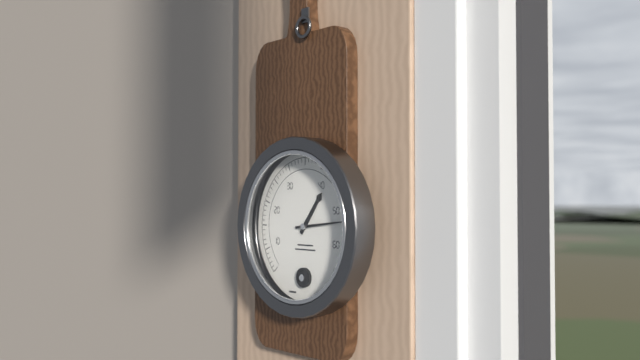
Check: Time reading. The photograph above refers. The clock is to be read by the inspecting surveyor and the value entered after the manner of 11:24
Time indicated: 1:14
